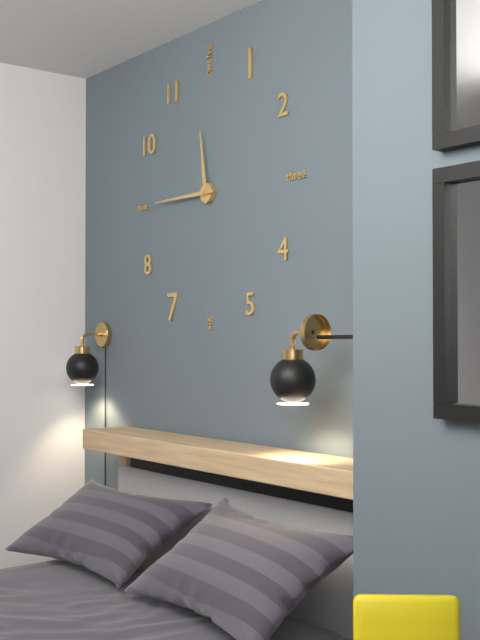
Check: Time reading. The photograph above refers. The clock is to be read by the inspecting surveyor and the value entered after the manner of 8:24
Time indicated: 11:45
